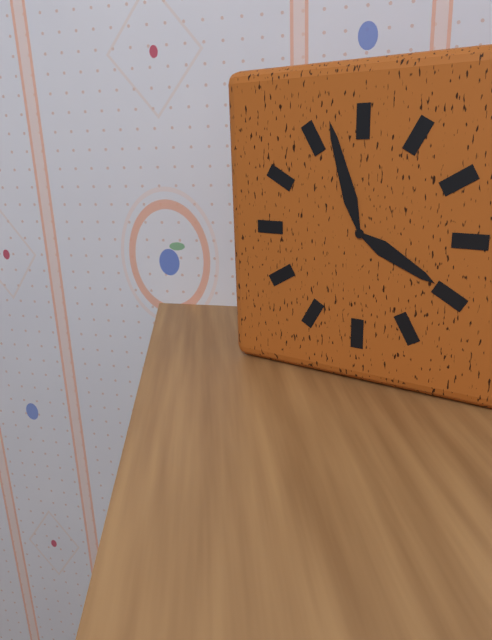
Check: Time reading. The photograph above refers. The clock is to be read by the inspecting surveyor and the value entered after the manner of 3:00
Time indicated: 3:57
